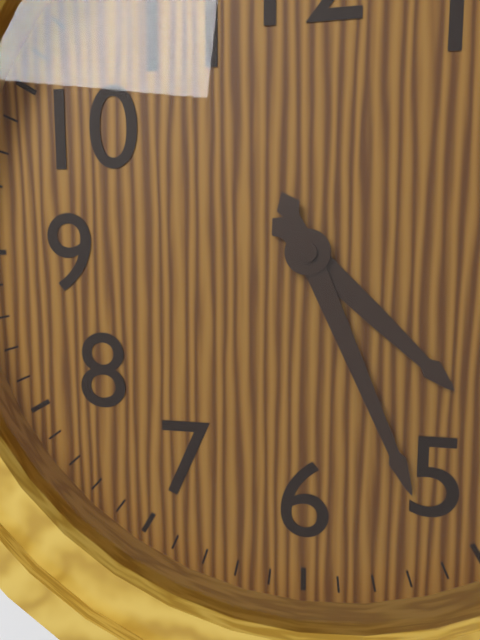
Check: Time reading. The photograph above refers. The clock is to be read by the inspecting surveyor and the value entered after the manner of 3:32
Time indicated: 4:26
